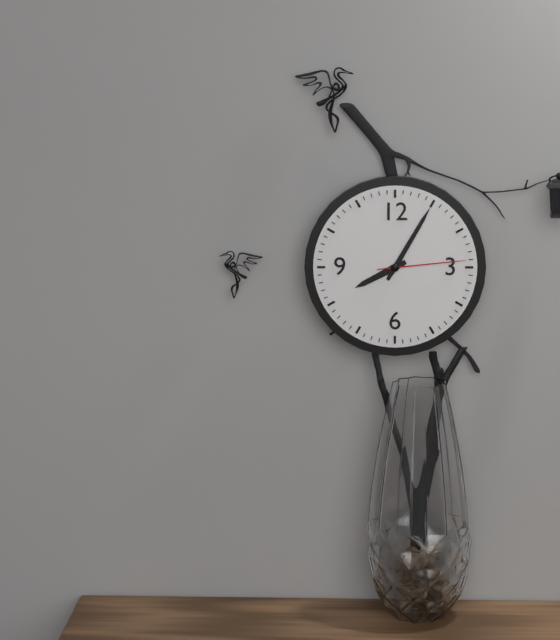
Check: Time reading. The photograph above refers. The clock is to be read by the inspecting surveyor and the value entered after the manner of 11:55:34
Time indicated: 8:05:14
